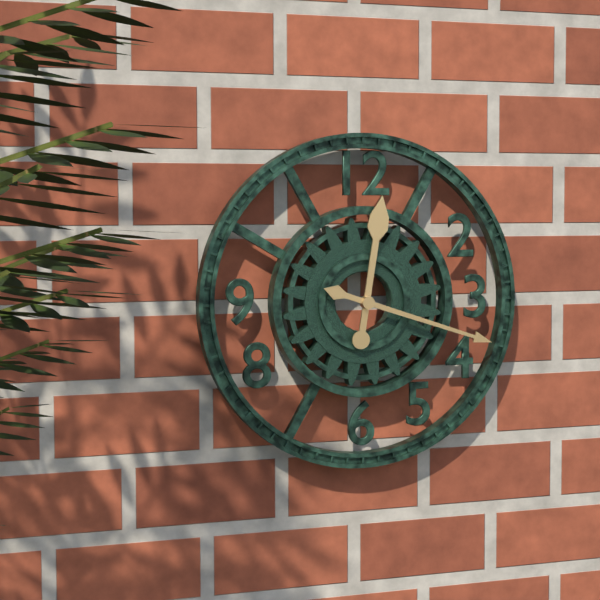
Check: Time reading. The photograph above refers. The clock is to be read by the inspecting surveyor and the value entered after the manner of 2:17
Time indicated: 12:18
